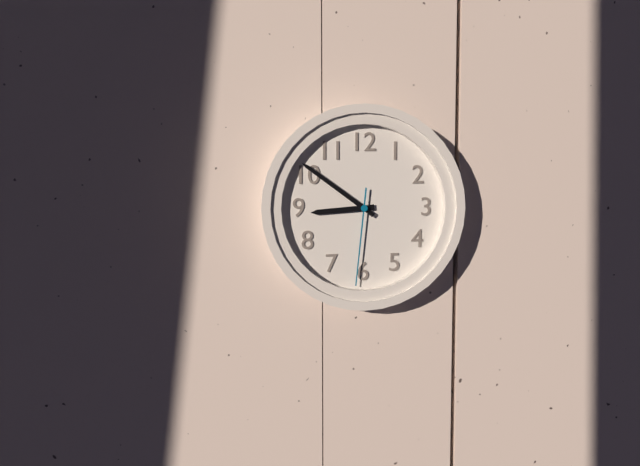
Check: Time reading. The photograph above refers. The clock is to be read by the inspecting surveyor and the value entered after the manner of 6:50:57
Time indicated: 8:51:31
